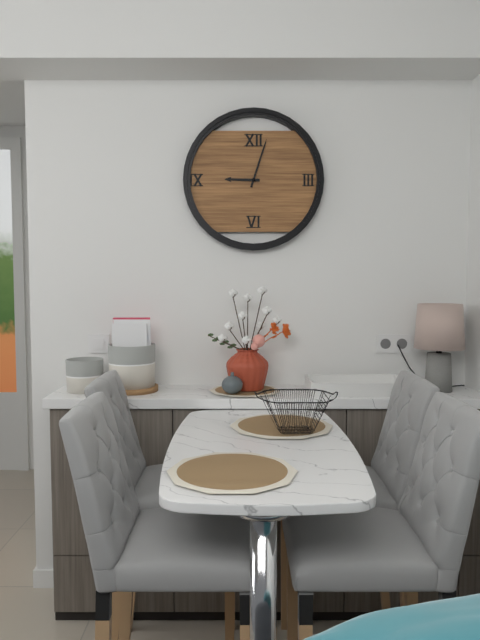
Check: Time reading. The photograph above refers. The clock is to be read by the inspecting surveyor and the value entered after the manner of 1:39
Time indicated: 9:03
